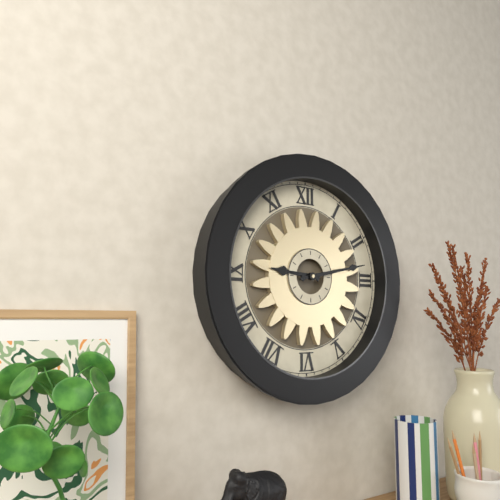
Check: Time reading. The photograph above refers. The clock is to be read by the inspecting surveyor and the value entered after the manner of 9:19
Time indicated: 9:13
